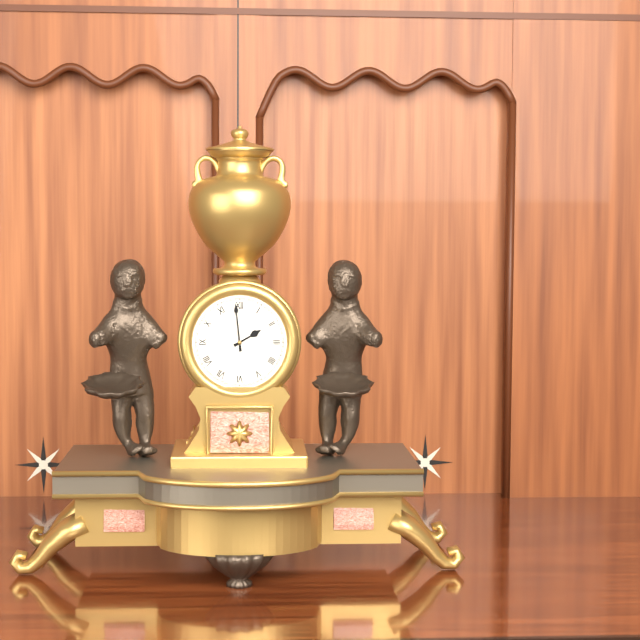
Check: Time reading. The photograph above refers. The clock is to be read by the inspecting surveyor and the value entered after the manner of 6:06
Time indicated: 1:59
